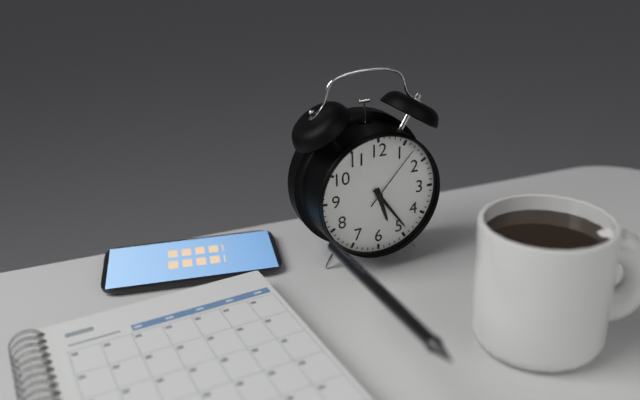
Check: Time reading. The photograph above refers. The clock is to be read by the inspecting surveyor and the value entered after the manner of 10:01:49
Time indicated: 5:24:07
